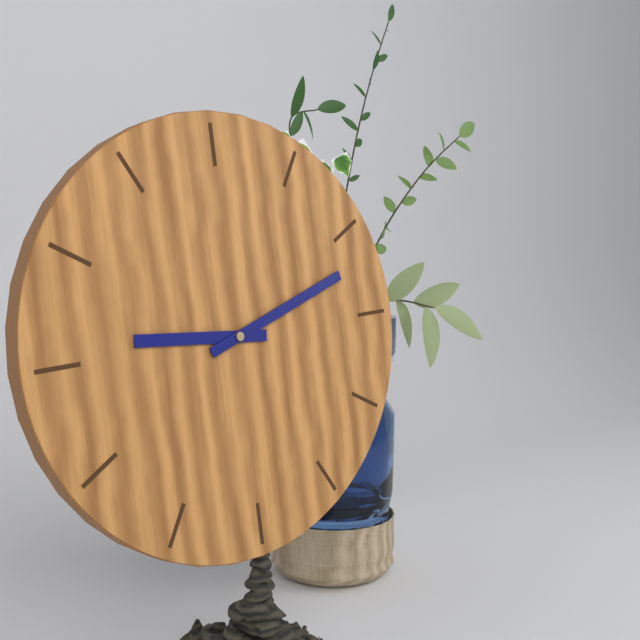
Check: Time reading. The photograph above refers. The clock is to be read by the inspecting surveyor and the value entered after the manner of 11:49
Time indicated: 9:12
